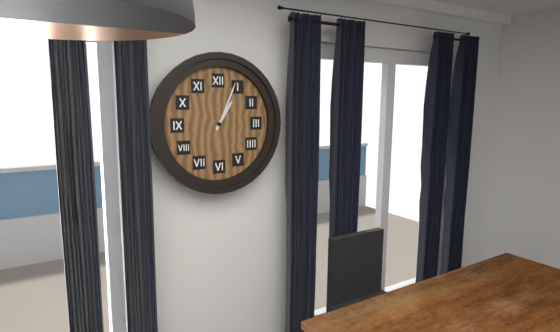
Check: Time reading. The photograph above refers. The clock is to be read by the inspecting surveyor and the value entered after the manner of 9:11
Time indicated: 1:04
